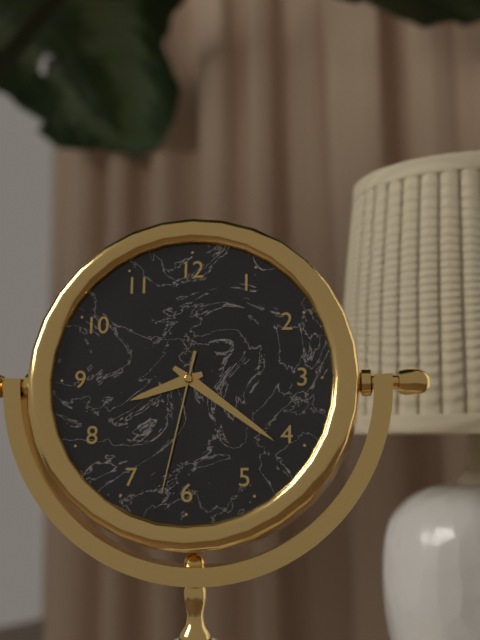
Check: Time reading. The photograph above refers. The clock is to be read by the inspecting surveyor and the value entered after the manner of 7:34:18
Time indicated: 8:21:32
